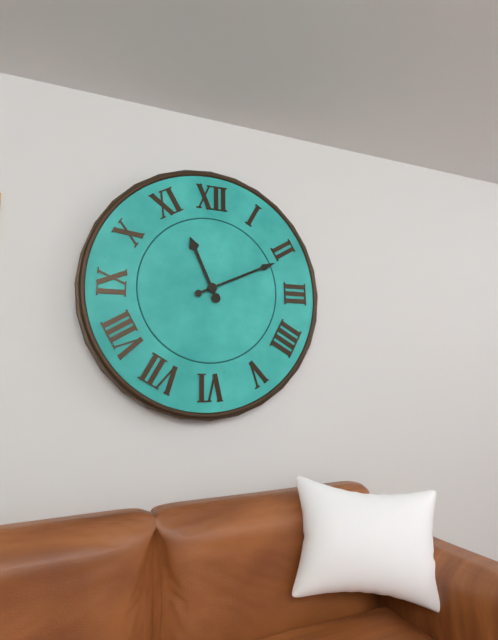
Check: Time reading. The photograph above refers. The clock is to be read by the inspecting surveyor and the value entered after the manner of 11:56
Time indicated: 11:11
